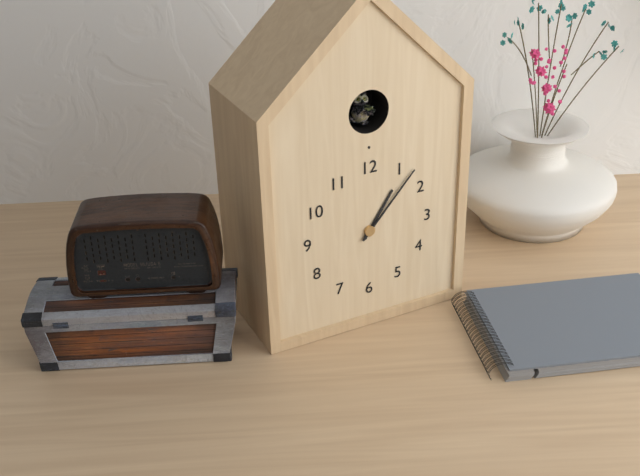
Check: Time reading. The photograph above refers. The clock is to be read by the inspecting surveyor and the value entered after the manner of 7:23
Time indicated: 1:07
